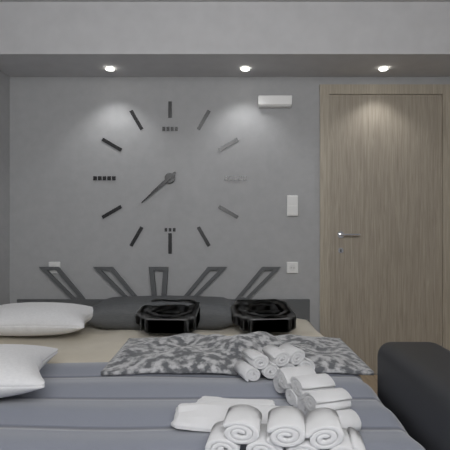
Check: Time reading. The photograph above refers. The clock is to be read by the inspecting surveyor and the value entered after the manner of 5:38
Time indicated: 7:38
